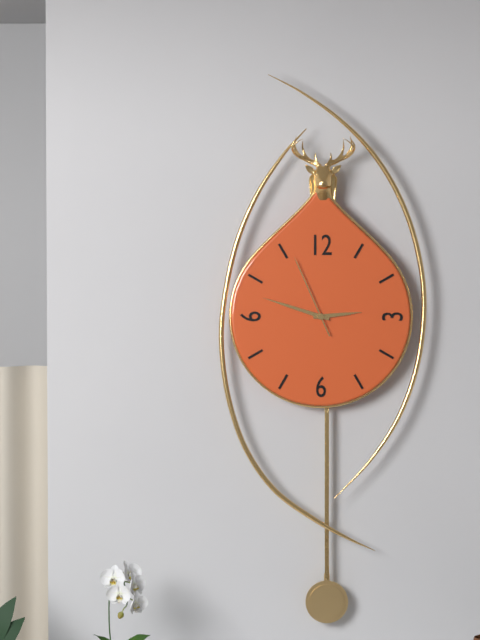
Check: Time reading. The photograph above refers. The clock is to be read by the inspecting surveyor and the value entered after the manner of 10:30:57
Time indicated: 2:48:56
